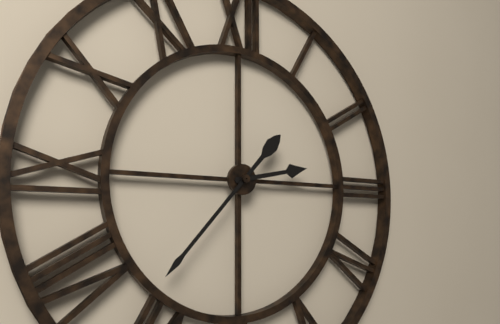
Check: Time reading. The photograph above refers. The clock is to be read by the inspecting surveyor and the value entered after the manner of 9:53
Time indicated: 2:37
